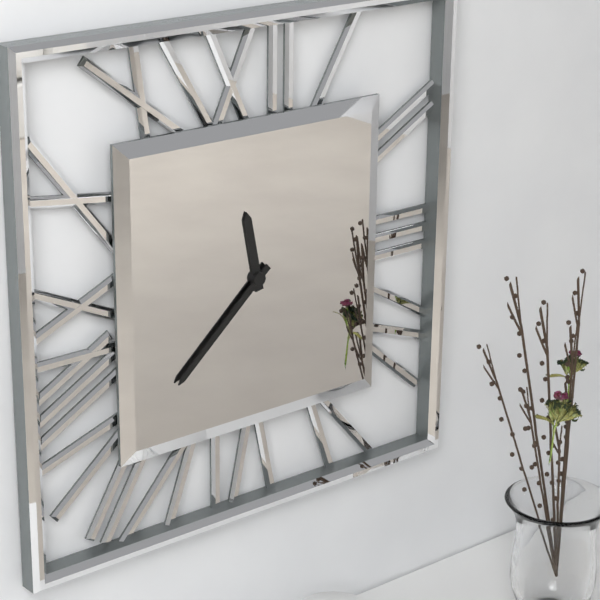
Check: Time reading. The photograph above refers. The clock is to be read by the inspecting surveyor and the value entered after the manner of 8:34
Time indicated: 11:38
